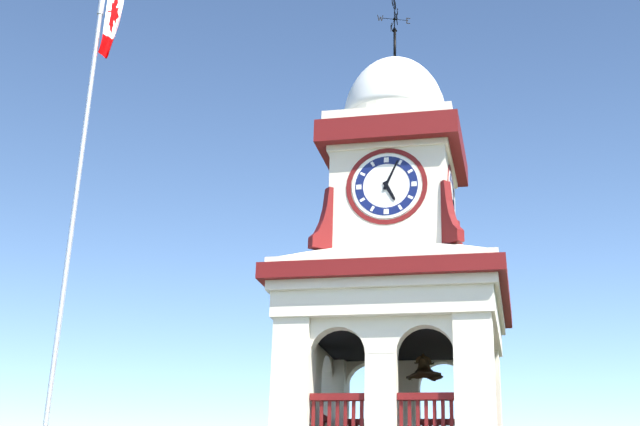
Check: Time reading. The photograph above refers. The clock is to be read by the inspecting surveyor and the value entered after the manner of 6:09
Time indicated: 5:04
